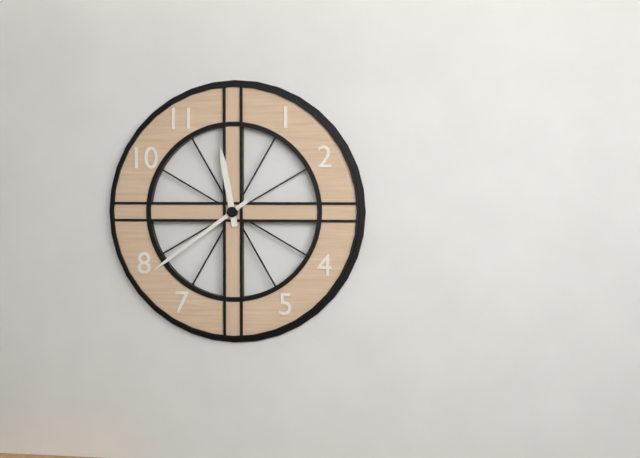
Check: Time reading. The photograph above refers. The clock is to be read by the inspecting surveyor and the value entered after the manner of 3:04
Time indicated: 11:39
